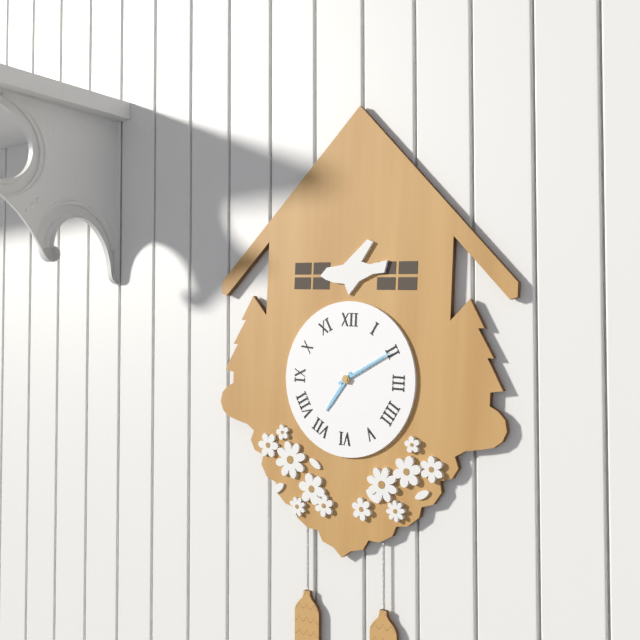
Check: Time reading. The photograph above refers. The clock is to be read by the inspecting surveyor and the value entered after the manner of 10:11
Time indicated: 7:10
